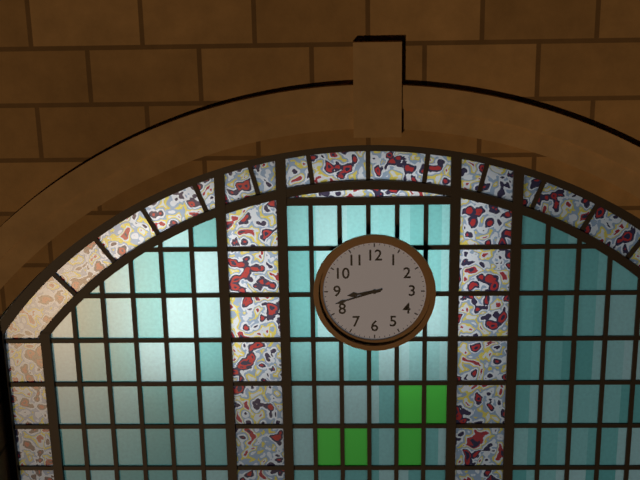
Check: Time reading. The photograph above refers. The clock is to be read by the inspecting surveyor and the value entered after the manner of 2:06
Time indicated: 8:42
